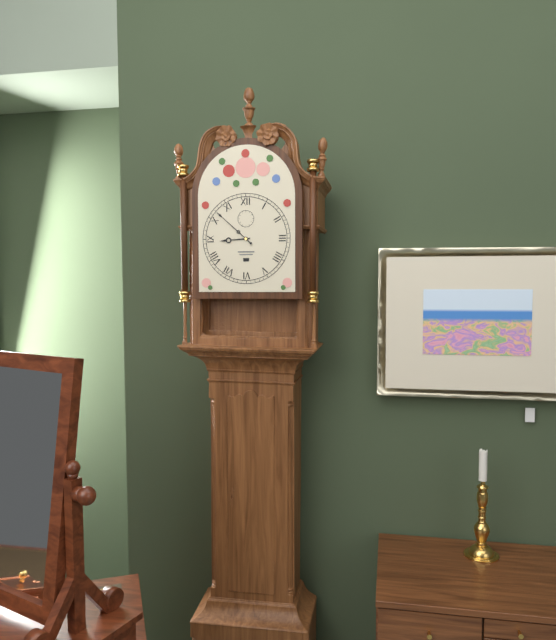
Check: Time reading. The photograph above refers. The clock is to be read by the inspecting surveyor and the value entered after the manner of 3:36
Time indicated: 8:52
